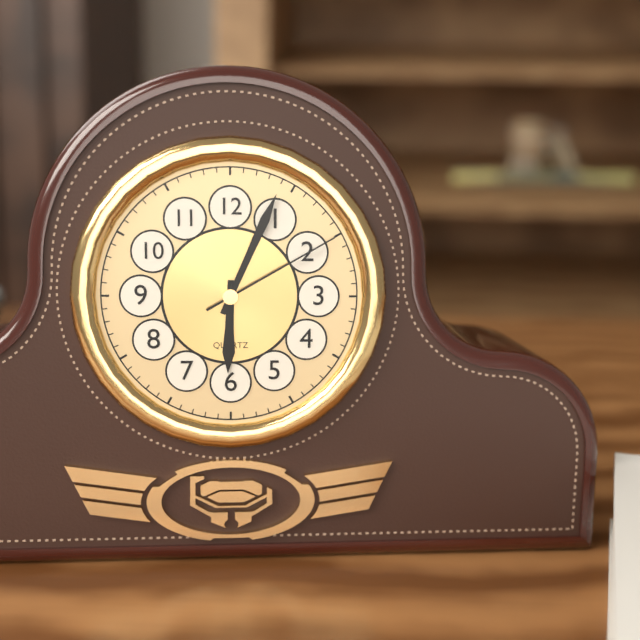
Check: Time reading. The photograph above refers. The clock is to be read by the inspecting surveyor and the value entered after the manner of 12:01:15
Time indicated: 6:04:10
